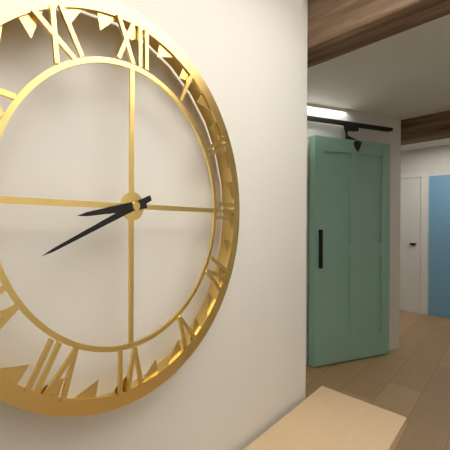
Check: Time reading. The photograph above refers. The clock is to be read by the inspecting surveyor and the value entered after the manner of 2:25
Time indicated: 8:41
